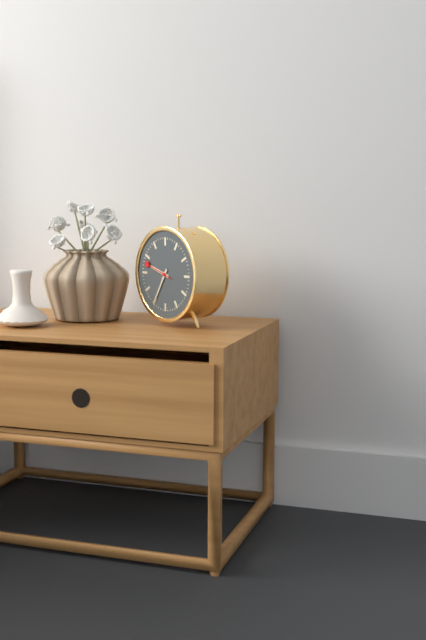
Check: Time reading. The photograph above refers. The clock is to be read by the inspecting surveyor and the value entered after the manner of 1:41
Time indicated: 9:35
